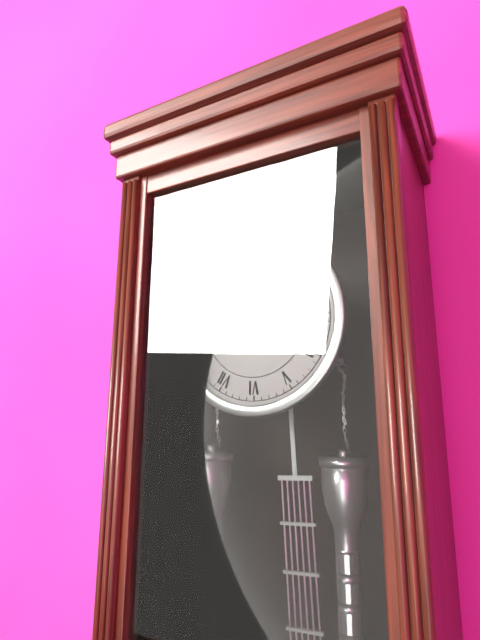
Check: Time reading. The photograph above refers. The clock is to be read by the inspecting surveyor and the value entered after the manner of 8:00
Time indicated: 2:04
